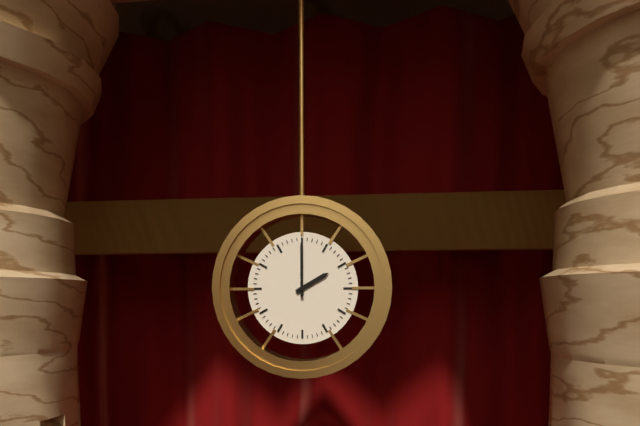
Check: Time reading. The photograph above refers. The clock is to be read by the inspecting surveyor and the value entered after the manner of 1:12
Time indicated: 2:00
